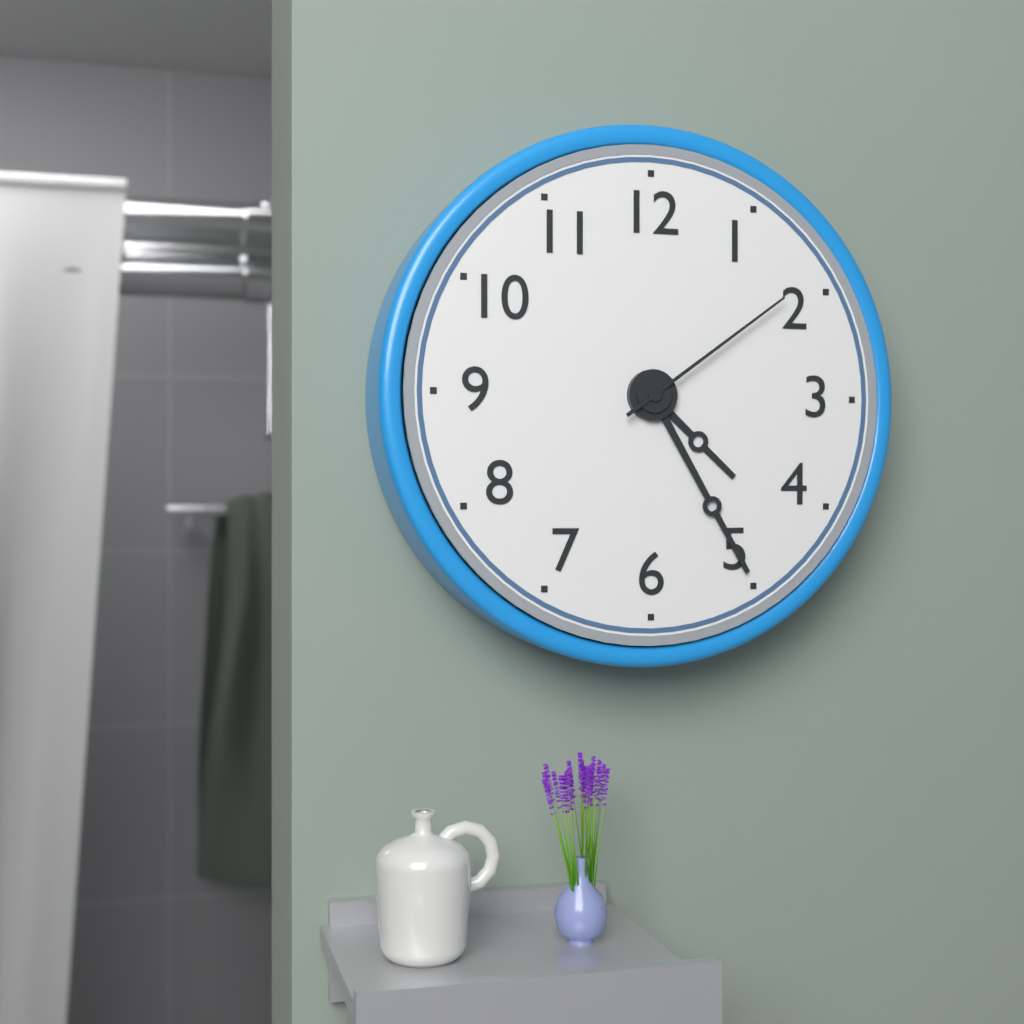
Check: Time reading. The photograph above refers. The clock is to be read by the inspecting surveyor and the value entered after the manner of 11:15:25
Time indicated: 4:25:09
